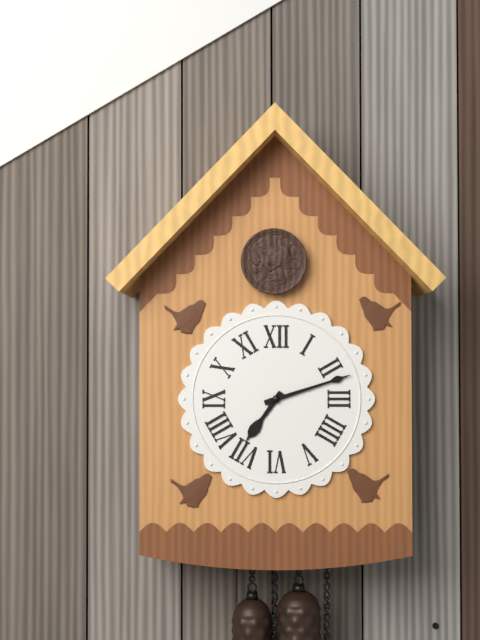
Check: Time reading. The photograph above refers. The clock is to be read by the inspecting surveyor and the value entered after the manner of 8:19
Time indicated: 7:12
